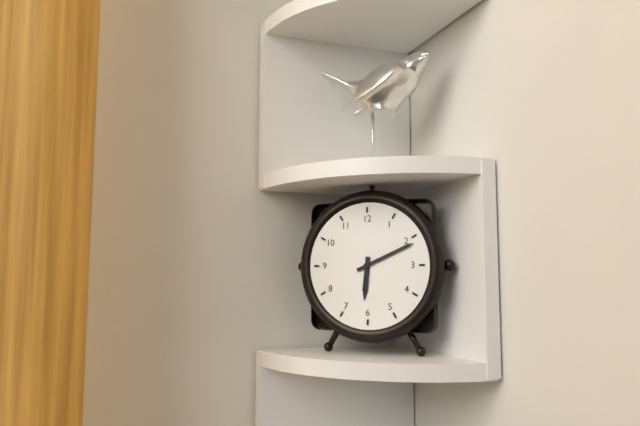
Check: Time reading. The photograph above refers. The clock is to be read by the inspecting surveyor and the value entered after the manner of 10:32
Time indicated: 6:11
